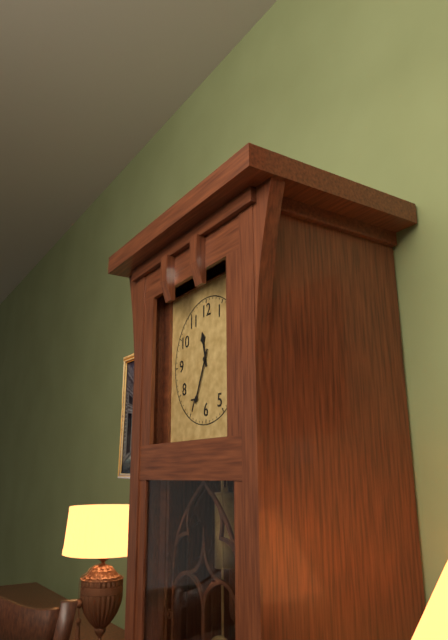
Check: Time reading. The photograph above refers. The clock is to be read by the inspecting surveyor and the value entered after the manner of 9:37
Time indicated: 11:34
